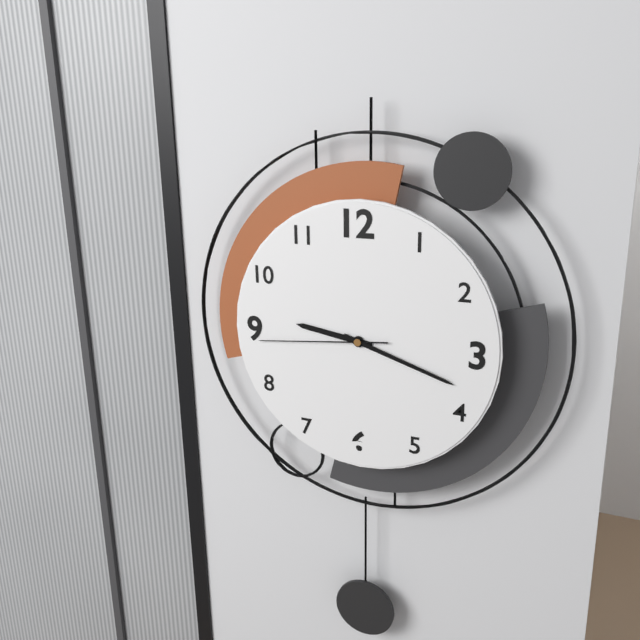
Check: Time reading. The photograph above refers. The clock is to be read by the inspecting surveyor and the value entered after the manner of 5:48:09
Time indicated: 9:18:44
